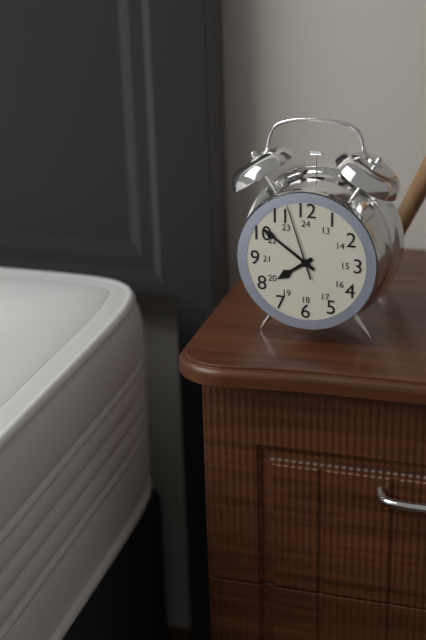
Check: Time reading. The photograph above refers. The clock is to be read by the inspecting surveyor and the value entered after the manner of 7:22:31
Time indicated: 7:51:57
